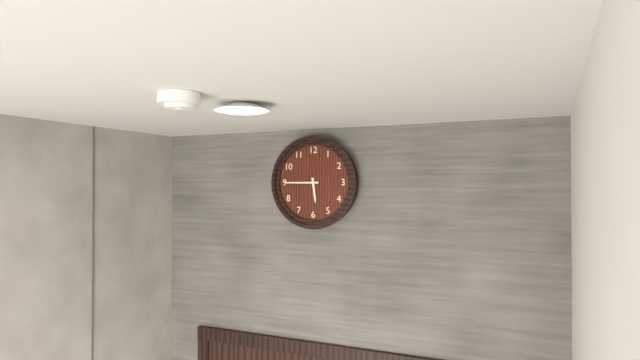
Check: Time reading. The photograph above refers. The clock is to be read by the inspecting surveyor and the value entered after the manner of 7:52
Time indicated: 5:45
